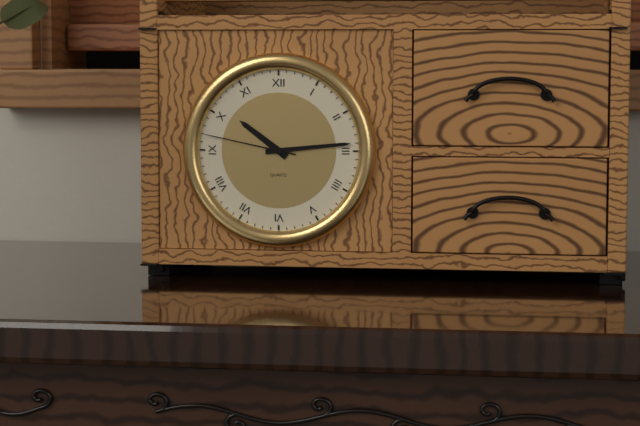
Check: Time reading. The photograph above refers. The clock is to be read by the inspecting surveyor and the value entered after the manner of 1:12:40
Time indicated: 10:14:47
